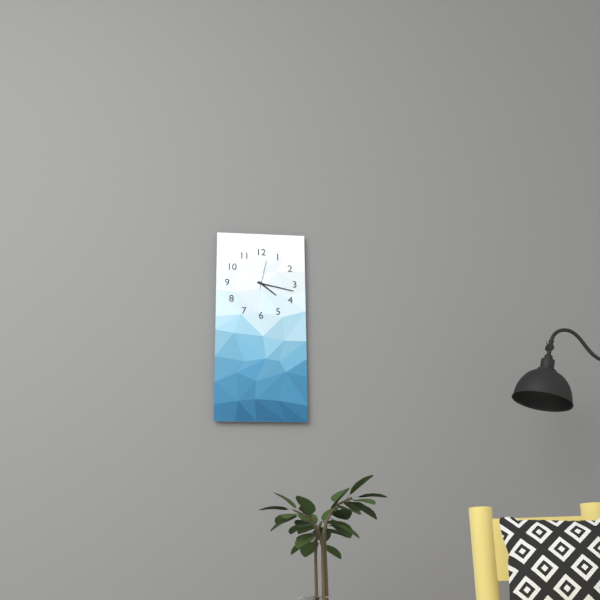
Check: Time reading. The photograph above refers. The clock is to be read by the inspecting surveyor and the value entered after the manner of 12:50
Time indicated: 4:17
